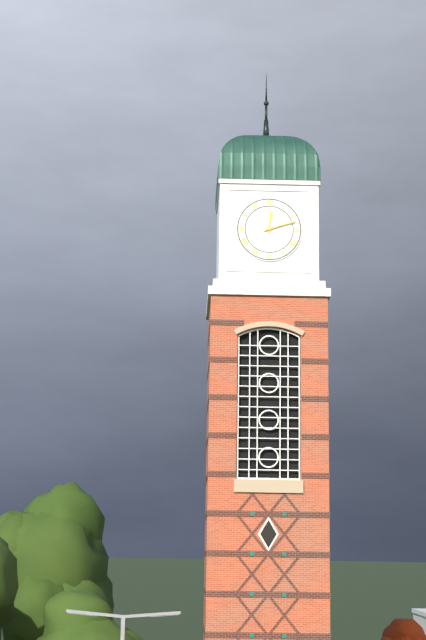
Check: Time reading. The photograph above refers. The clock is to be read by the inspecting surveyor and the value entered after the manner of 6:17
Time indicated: 12:12
